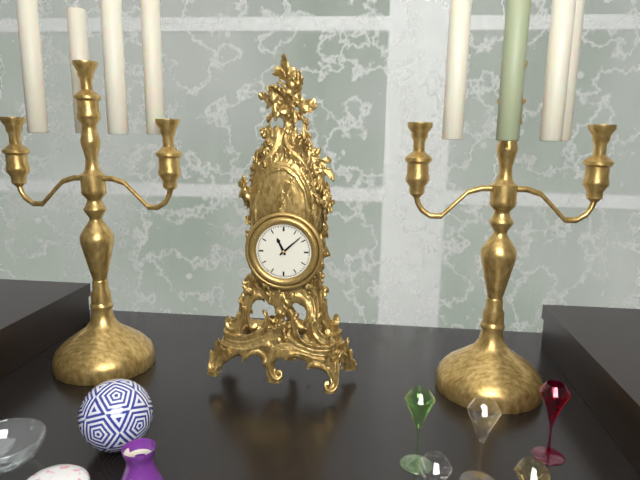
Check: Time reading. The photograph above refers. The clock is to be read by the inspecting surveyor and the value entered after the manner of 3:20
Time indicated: 11:08
